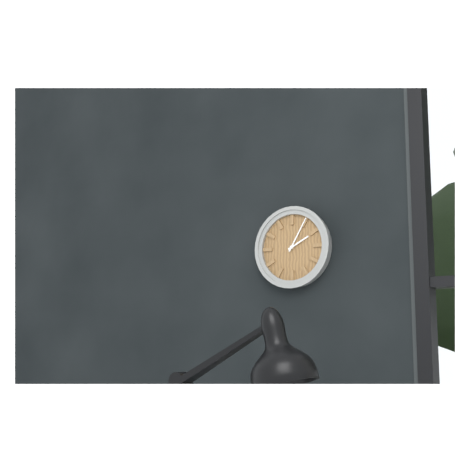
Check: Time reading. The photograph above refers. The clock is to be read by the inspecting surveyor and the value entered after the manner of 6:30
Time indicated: 2:05
